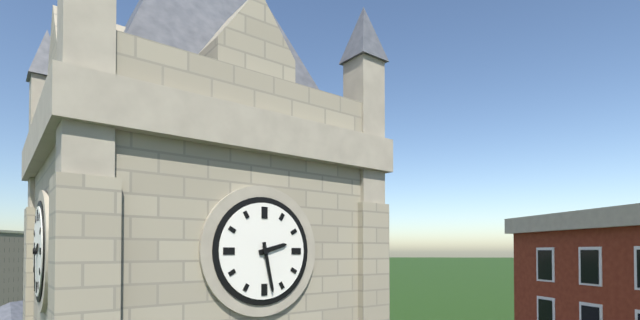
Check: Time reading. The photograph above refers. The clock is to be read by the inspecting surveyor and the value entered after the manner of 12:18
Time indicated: 2:28
